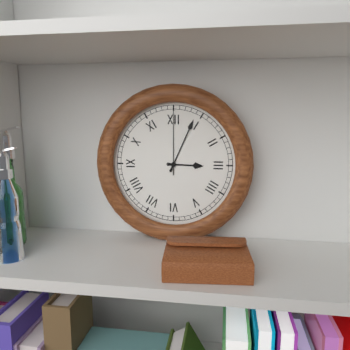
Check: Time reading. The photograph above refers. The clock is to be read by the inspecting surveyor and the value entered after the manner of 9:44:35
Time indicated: 3:04:00
